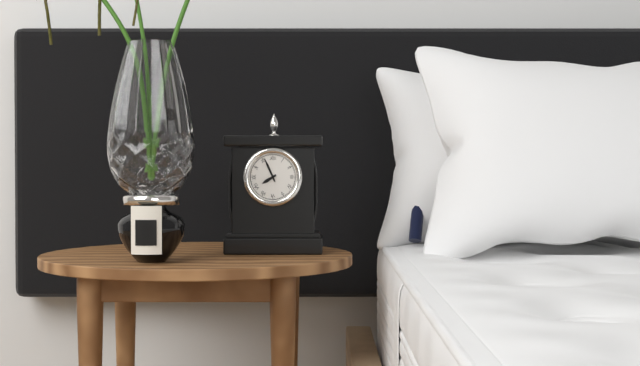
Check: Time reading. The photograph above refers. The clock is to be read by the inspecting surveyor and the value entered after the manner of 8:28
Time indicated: 7:56
